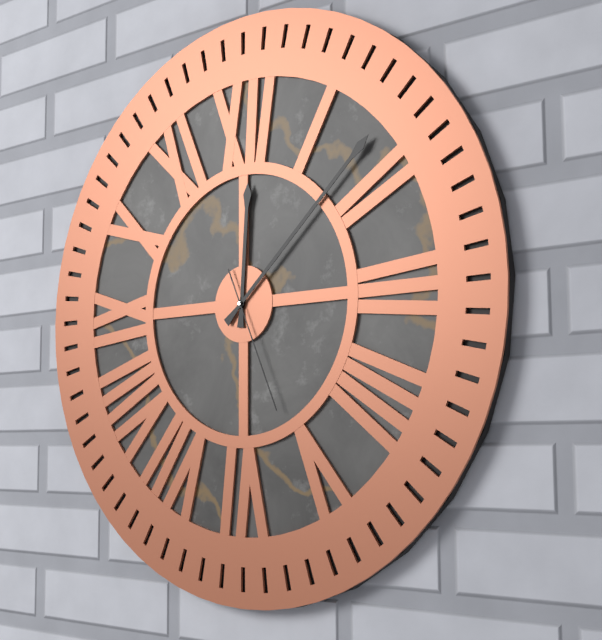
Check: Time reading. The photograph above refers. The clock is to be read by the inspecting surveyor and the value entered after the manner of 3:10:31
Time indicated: 12:08:26
